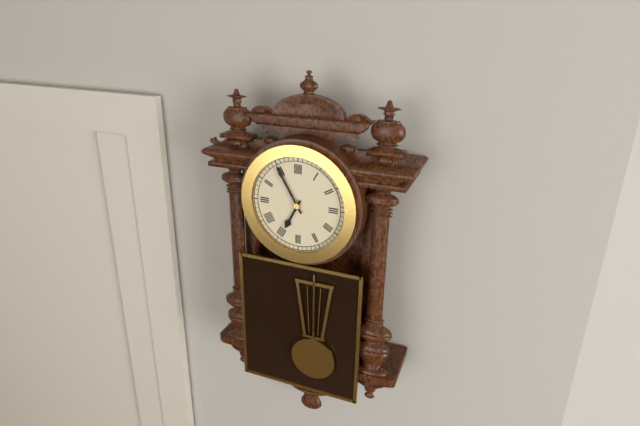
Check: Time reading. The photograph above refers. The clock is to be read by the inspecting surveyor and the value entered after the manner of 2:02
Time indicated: 6:55
